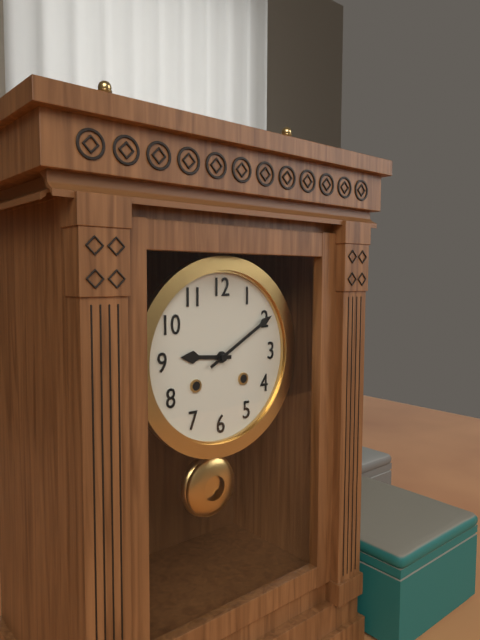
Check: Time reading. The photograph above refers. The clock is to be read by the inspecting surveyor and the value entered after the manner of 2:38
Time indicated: 9:10
